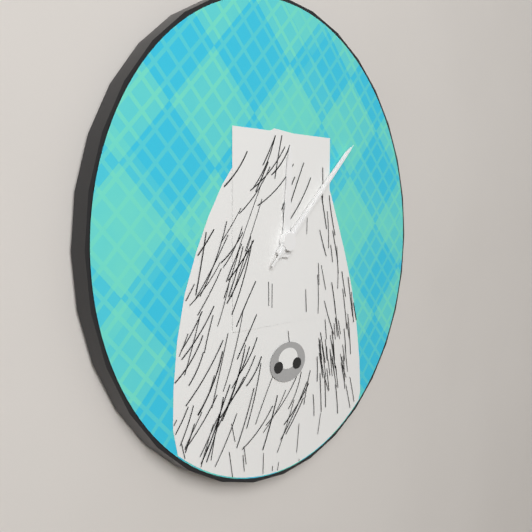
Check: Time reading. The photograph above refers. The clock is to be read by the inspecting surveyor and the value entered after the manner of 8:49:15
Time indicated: 12:08:08
